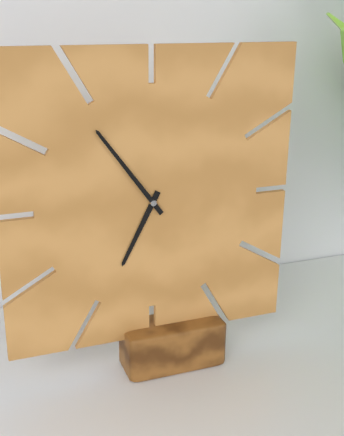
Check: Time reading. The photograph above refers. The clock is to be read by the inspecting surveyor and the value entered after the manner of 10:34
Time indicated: 6:54
